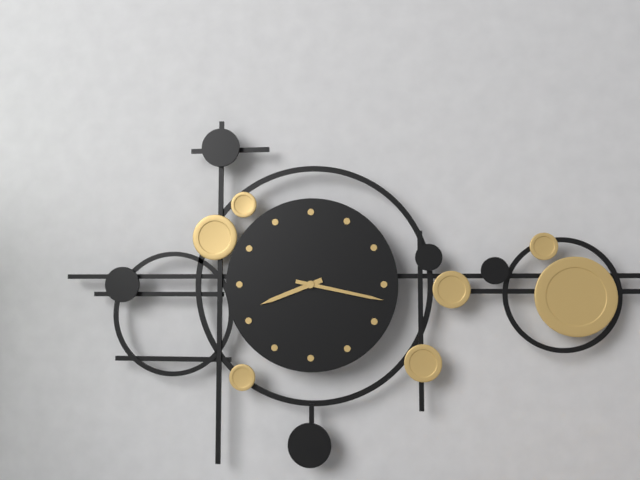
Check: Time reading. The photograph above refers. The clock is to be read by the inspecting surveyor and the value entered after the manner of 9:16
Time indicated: 8:17
